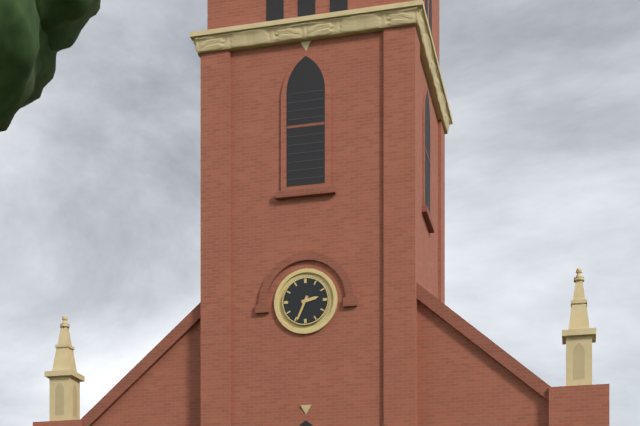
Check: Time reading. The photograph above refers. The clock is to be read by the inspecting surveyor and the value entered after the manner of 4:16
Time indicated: 2:34
